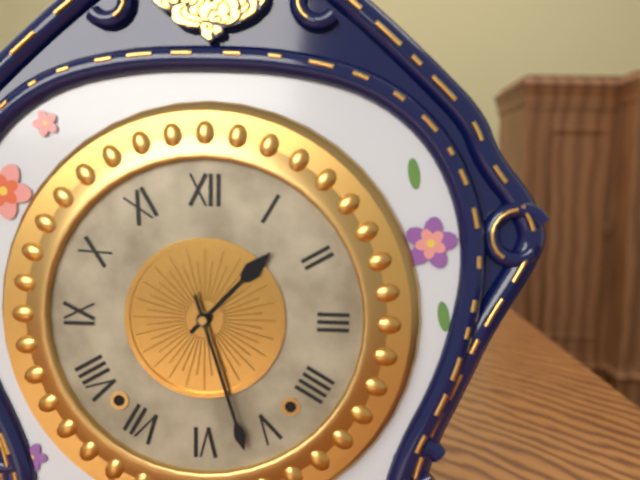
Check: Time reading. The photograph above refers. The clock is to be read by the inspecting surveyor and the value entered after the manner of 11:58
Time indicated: 1:27
